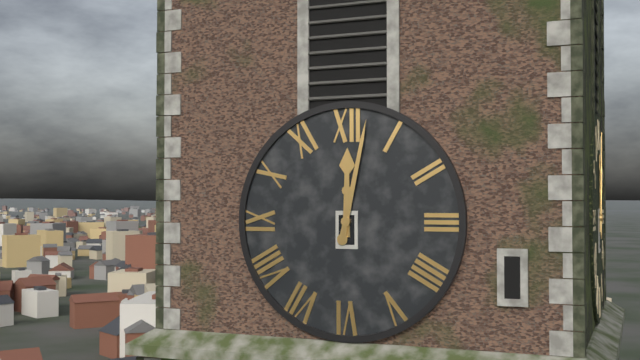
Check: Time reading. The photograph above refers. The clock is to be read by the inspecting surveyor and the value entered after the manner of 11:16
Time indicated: 12:02
